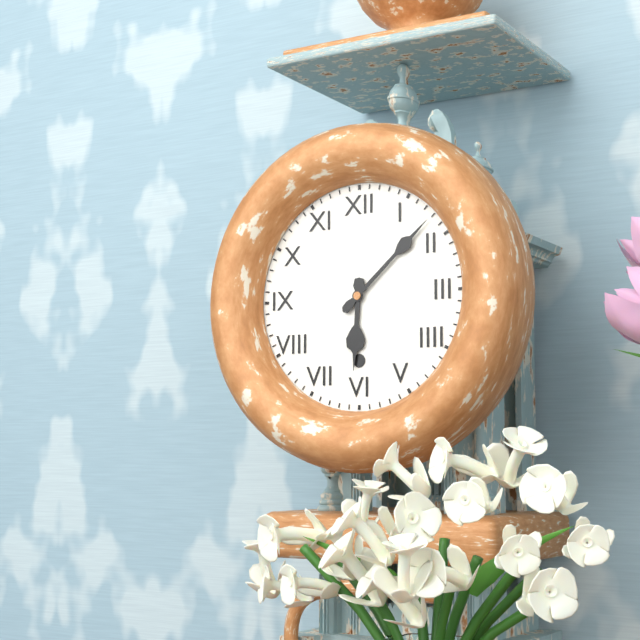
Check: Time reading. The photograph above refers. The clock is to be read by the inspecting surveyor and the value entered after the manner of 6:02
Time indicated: 6:08
